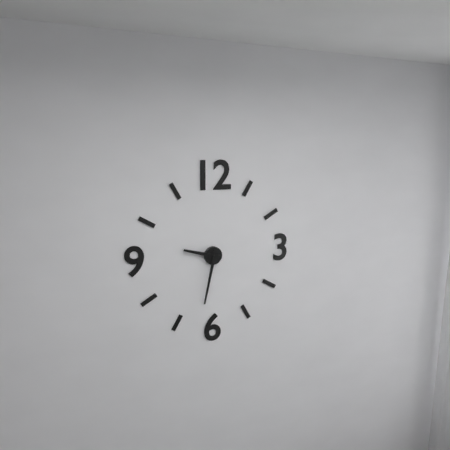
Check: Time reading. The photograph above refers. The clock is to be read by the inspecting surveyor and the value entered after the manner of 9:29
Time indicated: 9:32
